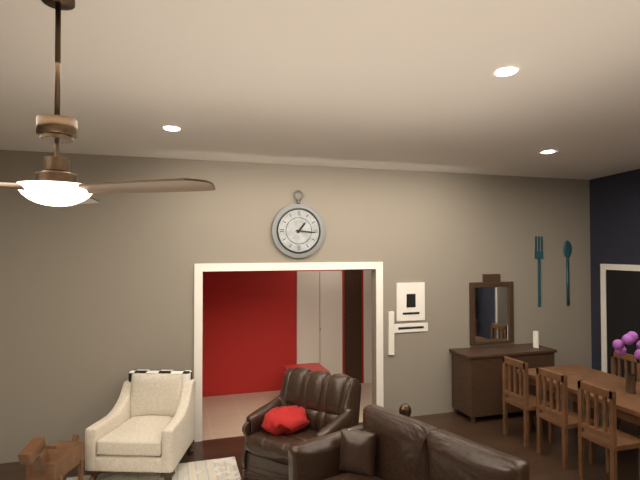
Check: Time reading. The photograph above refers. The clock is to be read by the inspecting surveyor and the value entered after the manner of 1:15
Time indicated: 1:16
